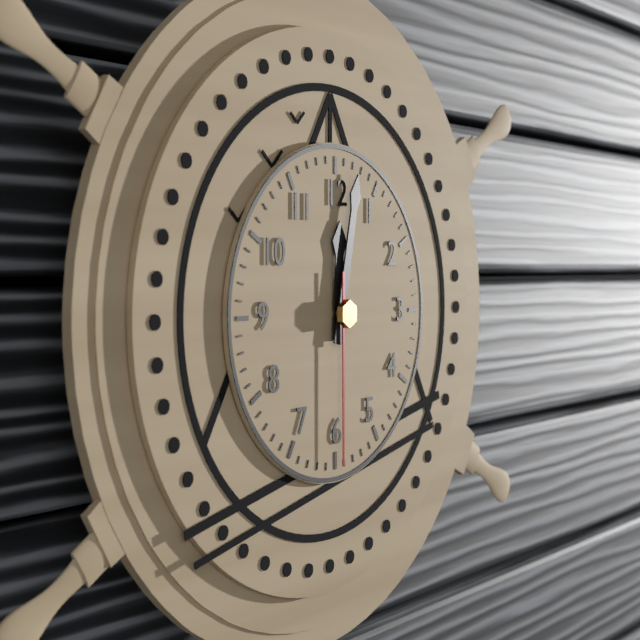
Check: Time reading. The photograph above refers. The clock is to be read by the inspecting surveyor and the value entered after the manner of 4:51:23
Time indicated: 12:02:30
